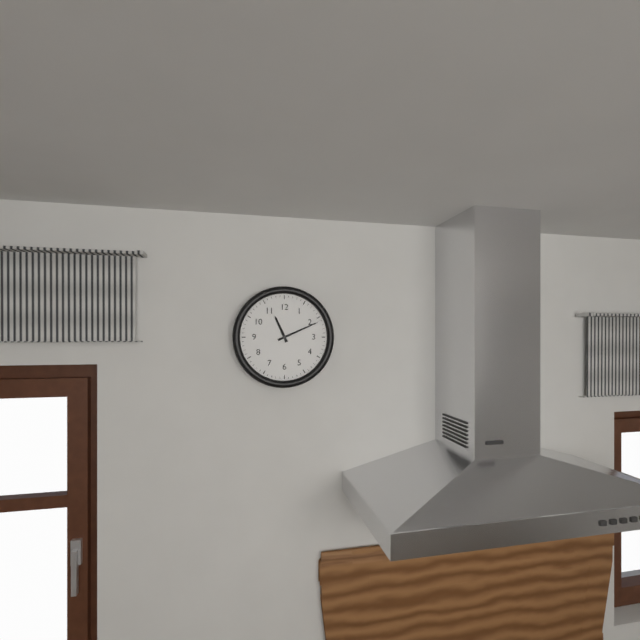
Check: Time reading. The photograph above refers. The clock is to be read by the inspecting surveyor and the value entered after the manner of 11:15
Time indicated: 11:11
